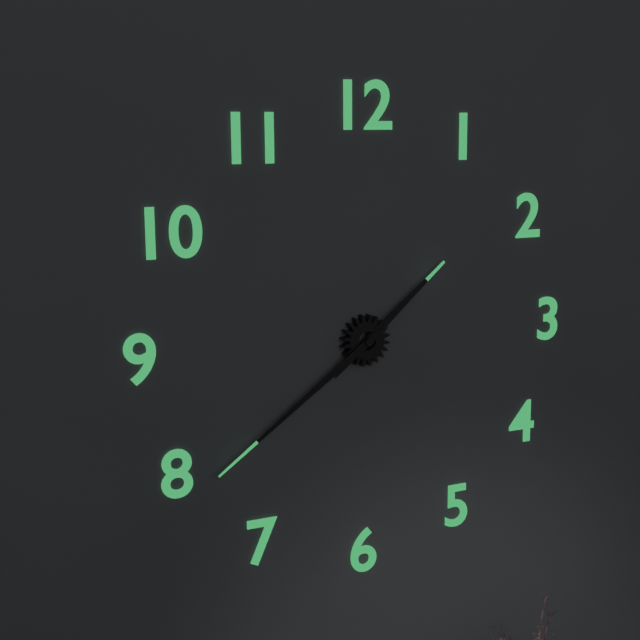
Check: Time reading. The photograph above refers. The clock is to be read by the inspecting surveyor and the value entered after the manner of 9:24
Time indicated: 1:39
